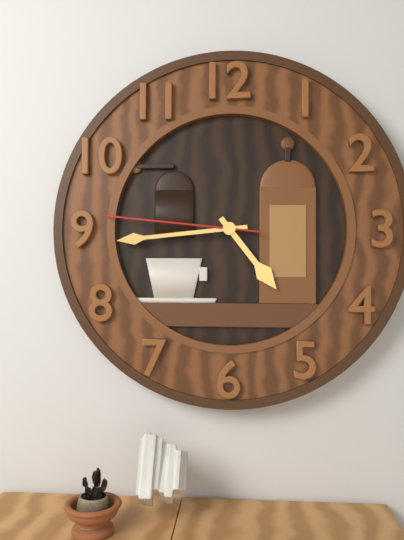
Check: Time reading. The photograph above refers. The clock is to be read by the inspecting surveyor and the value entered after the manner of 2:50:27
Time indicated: 4:44:46
